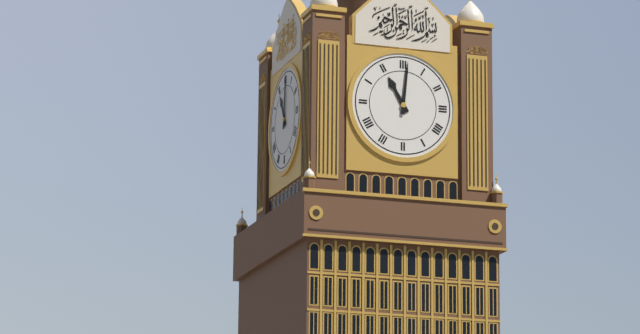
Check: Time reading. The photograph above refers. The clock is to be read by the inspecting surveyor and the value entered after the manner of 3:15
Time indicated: 11:01
